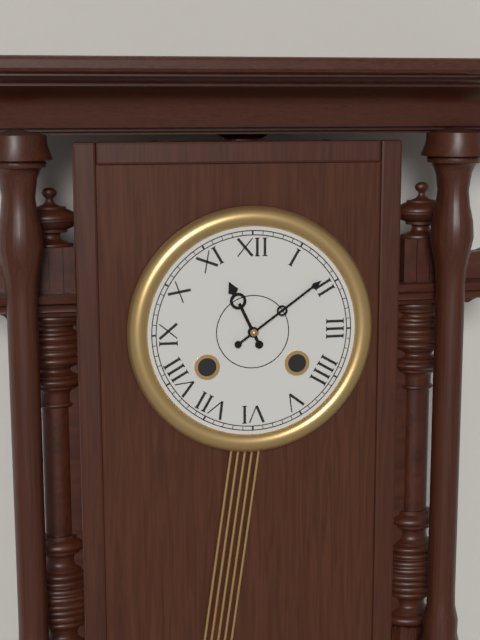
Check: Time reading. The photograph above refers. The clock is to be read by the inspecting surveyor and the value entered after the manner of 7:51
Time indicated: 11:09
